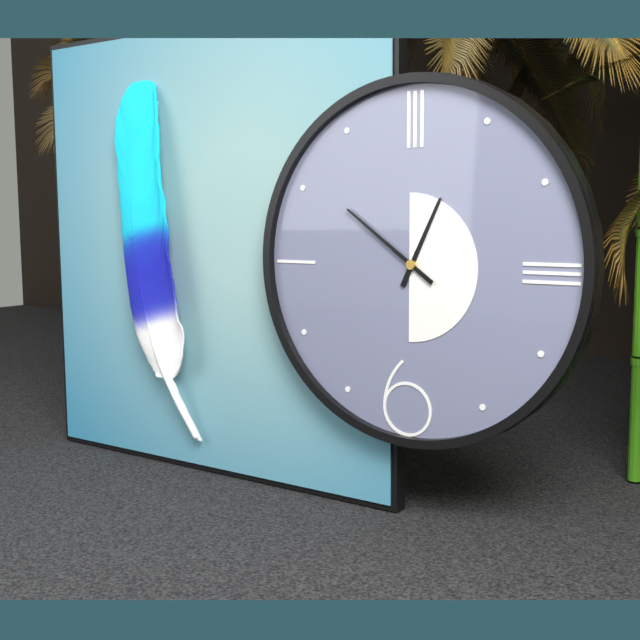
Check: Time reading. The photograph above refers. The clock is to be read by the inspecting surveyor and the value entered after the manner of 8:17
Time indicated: 12:51
